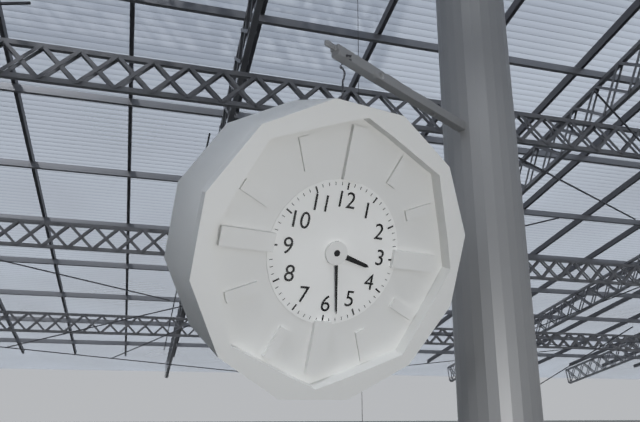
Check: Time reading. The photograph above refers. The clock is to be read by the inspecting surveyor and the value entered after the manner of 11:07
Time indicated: 3:28
